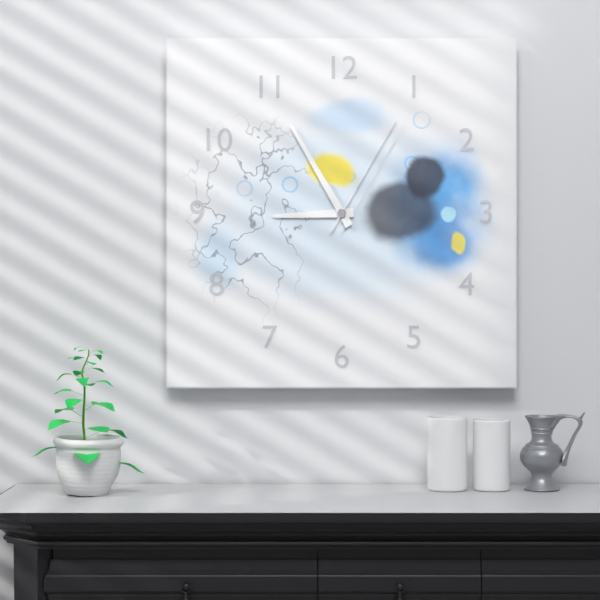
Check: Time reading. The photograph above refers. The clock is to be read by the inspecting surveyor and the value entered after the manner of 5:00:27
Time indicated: 8:55:05
